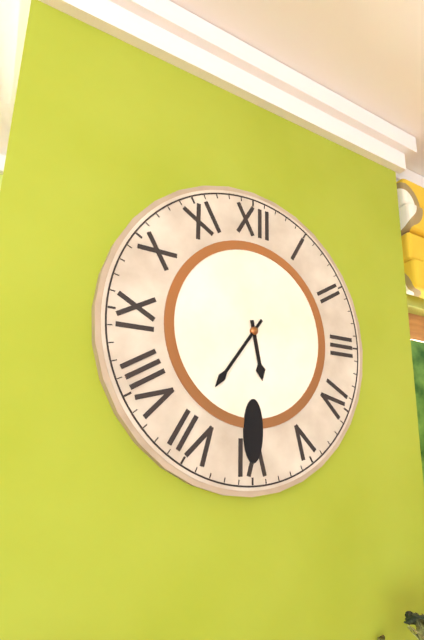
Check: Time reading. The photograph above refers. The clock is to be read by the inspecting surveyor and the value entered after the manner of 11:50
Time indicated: 5:36
